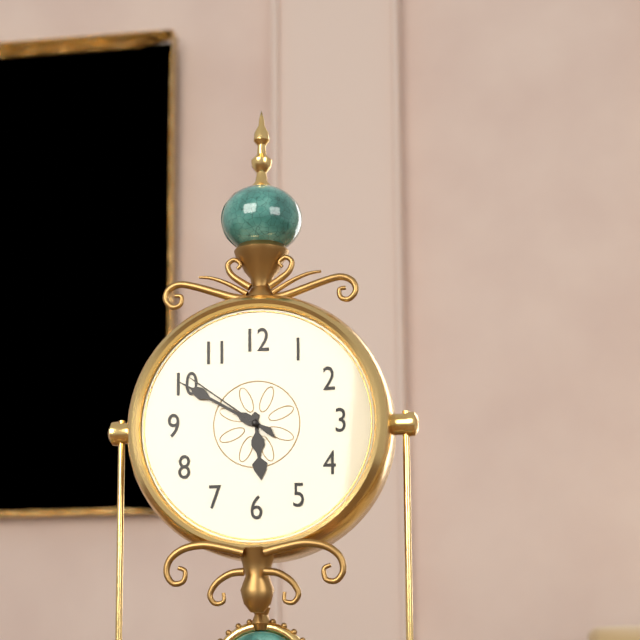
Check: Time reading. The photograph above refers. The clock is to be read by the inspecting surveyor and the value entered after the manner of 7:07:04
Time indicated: 5:50:51
